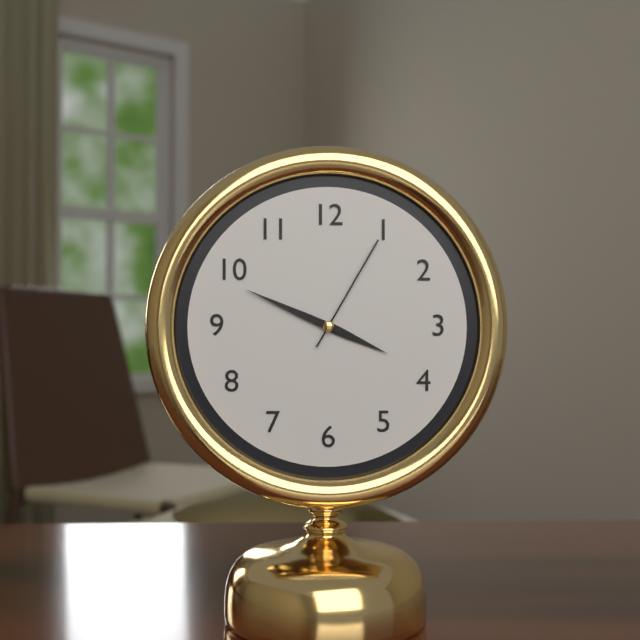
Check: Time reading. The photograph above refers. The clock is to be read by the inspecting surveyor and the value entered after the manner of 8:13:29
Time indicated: 3:49:05
